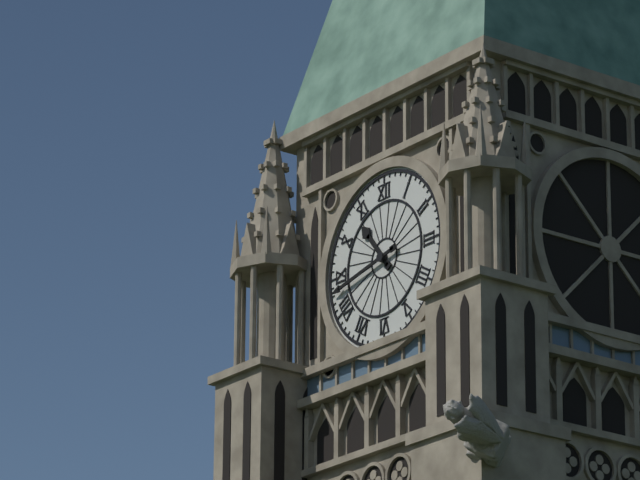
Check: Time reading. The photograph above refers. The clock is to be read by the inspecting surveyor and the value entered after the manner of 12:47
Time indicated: 10:43
